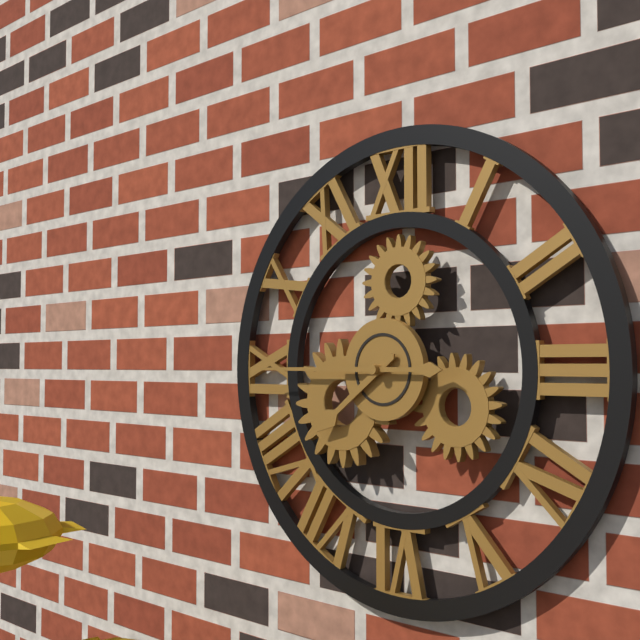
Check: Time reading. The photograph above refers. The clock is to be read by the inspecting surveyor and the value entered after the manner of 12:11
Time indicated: 7:45
